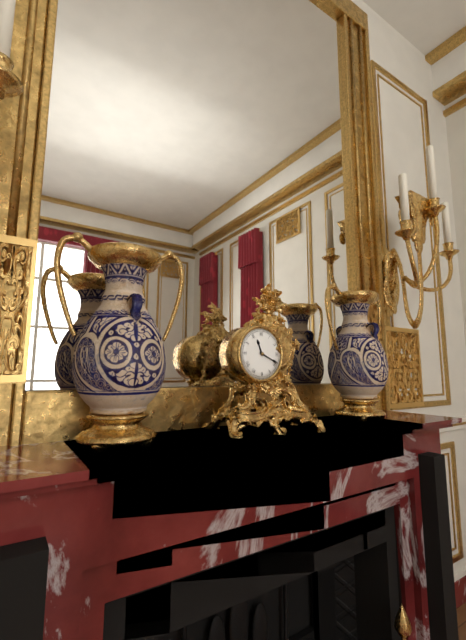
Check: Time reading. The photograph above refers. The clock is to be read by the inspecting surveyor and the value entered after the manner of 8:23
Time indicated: 11:19
